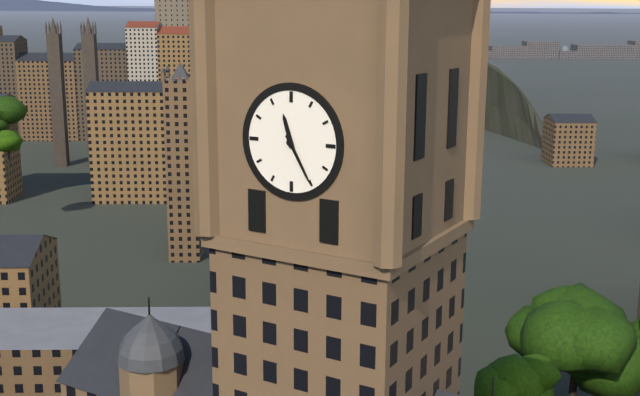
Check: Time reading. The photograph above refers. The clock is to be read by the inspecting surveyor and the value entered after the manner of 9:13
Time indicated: 11:25
